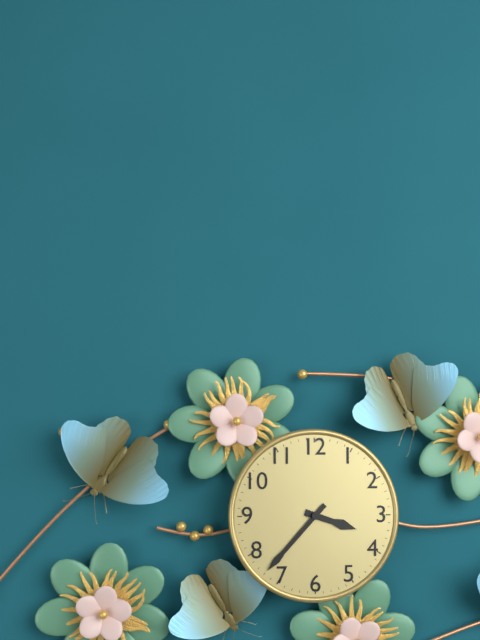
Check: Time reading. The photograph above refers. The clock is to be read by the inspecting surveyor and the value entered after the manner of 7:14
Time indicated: 3:37
